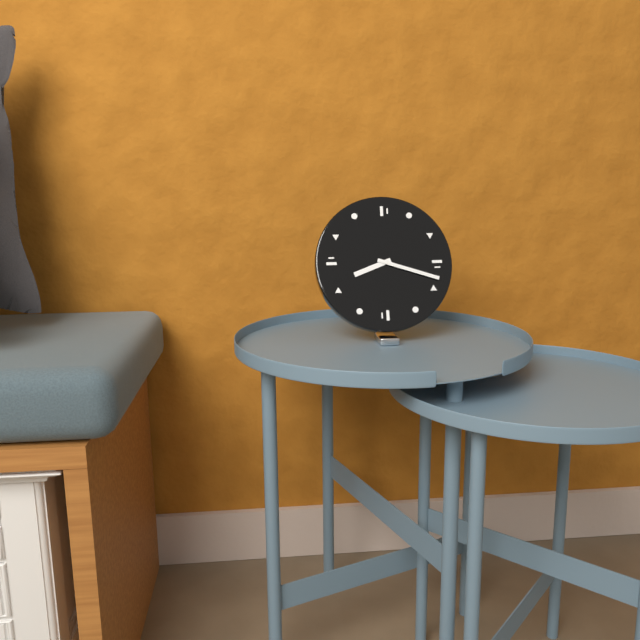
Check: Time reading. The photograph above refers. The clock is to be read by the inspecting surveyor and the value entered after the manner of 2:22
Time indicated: 8:18
